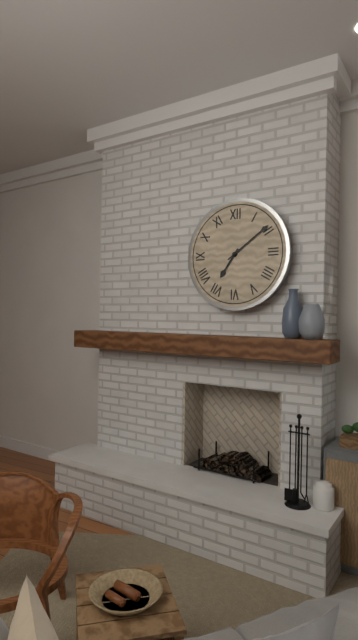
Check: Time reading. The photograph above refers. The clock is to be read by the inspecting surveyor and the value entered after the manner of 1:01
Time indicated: 7:09
